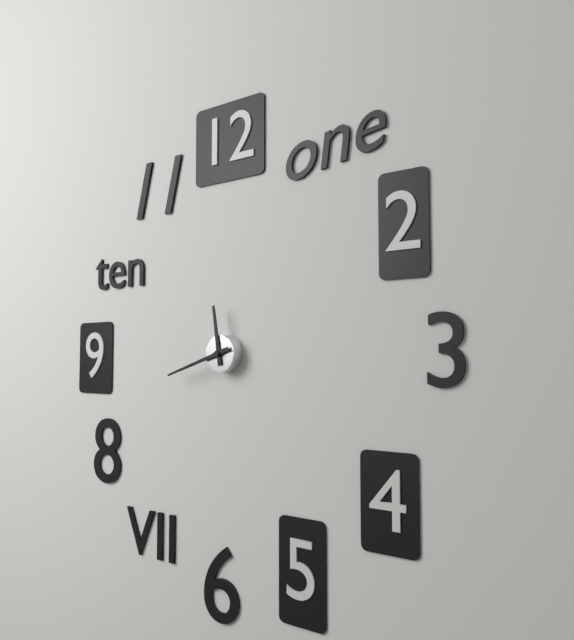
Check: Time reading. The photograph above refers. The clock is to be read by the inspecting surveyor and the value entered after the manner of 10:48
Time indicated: 11:42
